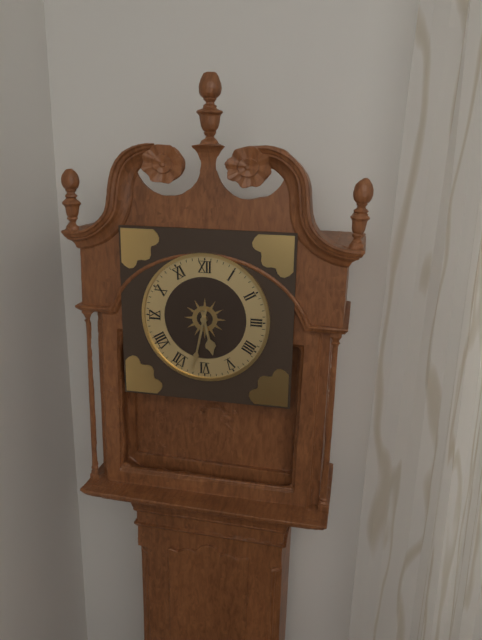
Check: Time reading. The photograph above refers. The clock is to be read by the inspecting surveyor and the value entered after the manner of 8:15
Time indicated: 5:32
